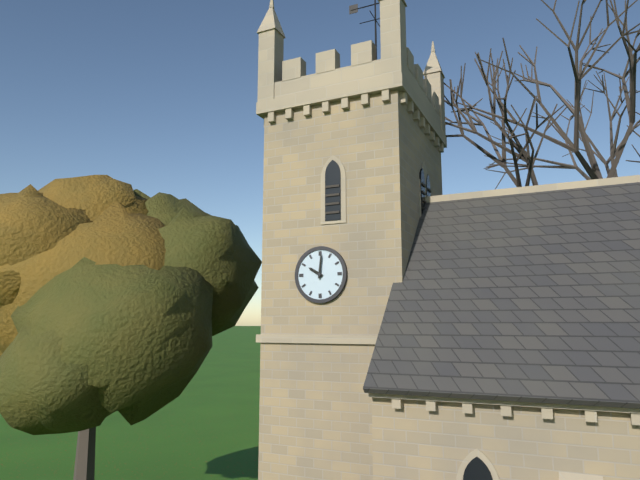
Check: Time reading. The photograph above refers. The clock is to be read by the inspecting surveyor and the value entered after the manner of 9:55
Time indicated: 10:01
